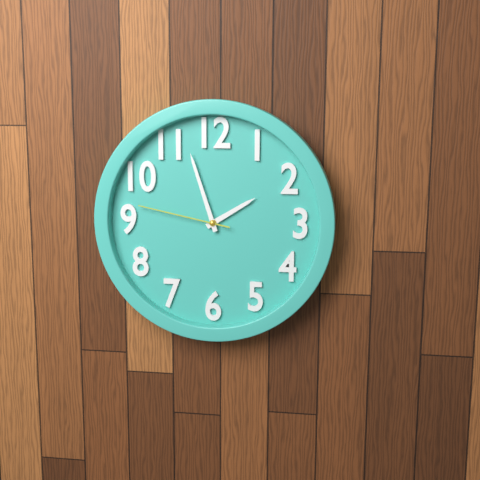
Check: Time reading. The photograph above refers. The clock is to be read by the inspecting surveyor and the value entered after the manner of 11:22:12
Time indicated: 1:57:47
